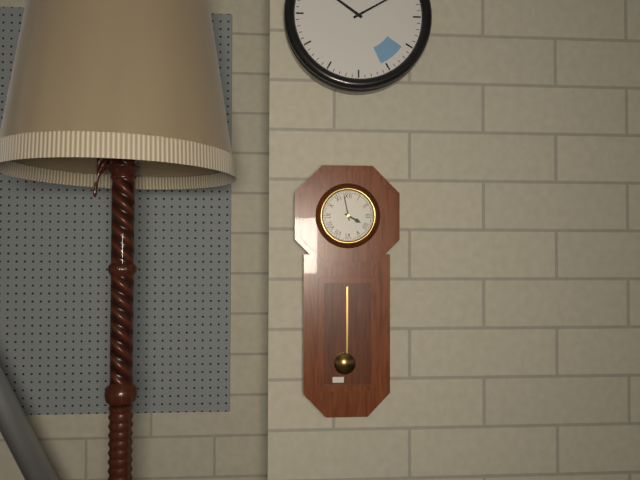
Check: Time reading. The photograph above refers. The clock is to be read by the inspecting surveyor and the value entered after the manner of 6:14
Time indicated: 3:58
